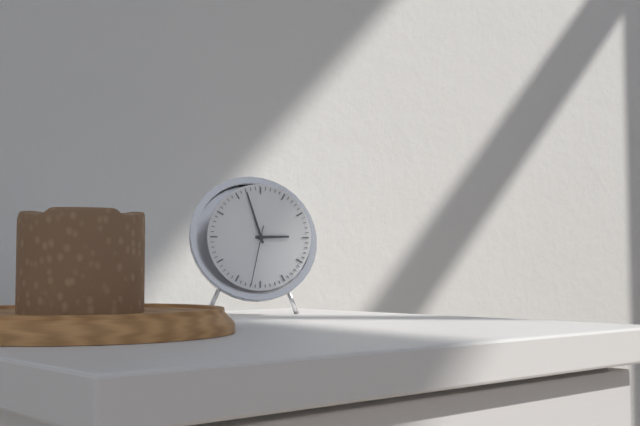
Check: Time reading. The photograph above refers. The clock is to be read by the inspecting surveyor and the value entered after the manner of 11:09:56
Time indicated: 2:57:32
